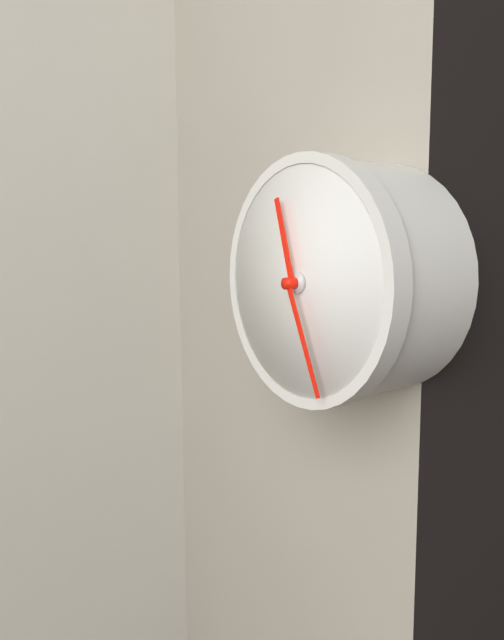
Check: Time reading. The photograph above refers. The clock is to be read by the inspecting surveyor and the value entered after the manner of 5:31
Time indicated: 11:26
